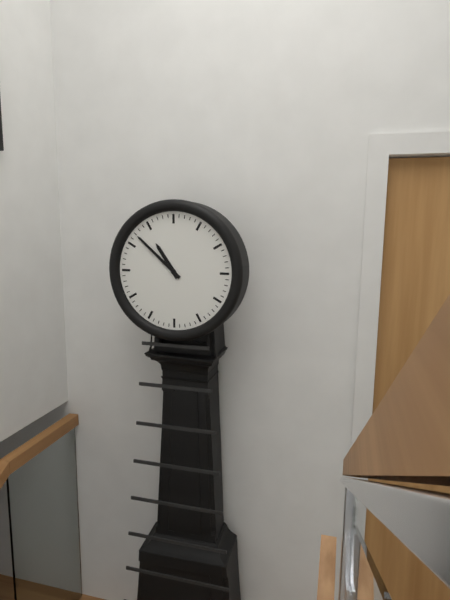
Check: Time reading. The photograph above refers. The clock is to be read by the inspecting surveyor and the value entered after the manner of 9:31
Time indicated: 10:52
